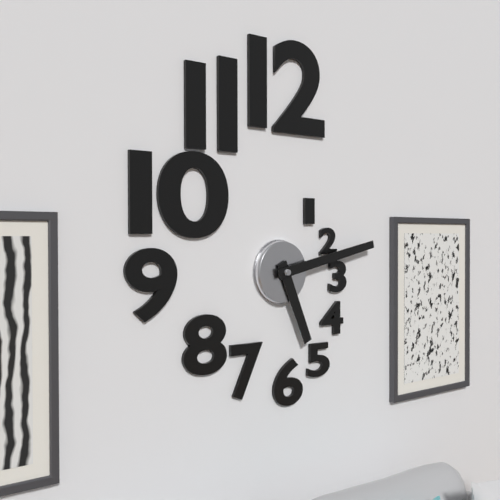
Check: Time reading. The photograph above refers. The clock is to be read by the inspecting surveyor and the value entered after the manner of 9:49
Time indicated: 5:13
